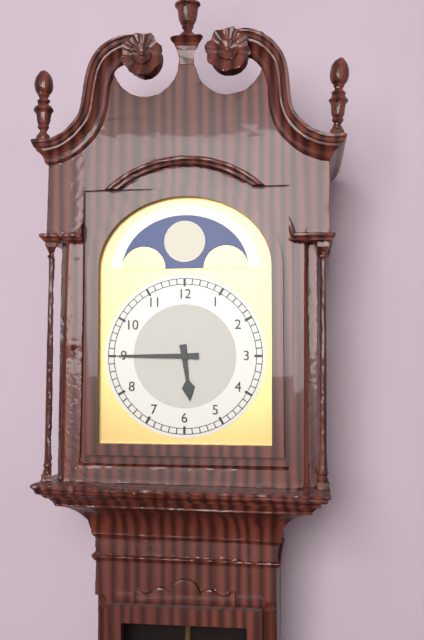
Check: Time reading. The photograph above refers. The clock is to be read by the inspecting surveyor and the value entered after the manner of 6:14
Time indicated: 5:45
